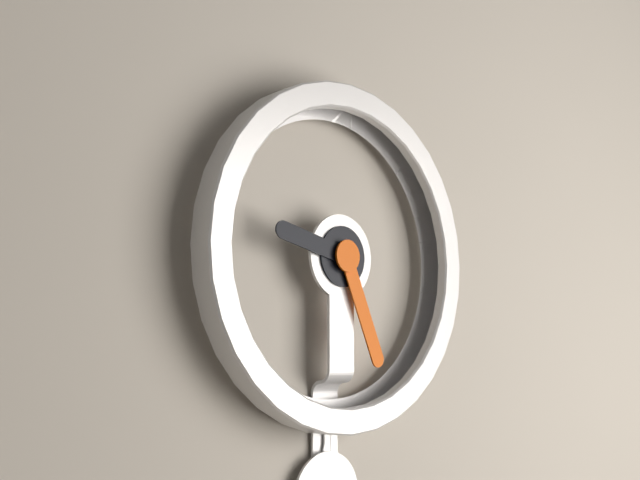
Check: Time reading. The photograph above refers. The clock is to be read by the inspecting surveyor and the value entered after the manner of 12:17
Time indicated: 9:26
